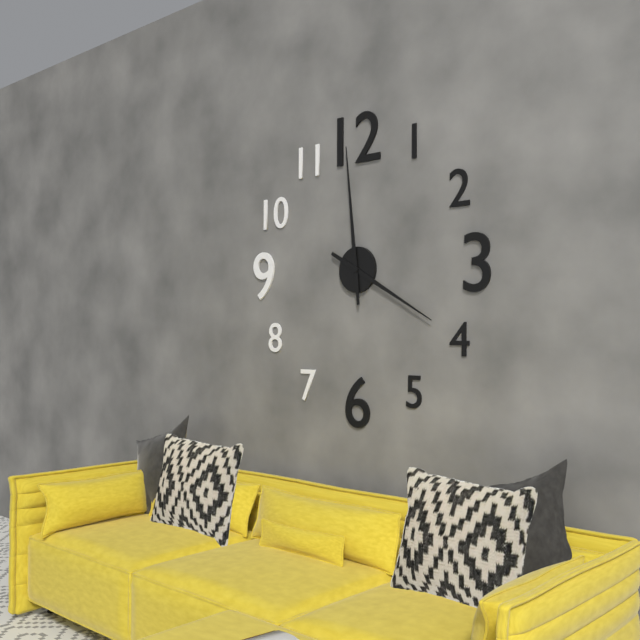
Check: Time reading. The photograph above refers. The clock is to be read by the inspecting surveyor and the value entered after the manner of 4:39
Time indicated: 3:59
